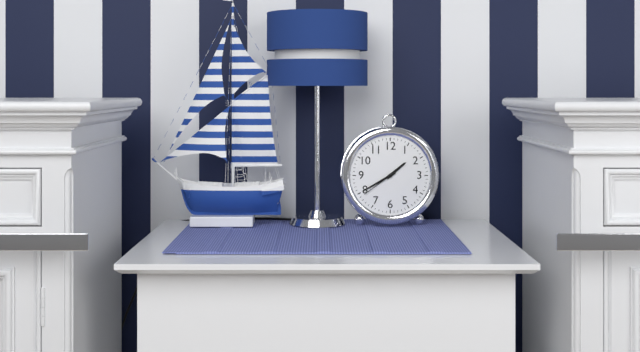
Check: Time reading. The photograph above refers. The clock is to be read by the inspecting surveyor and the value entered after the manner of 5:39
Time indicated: 1:40
